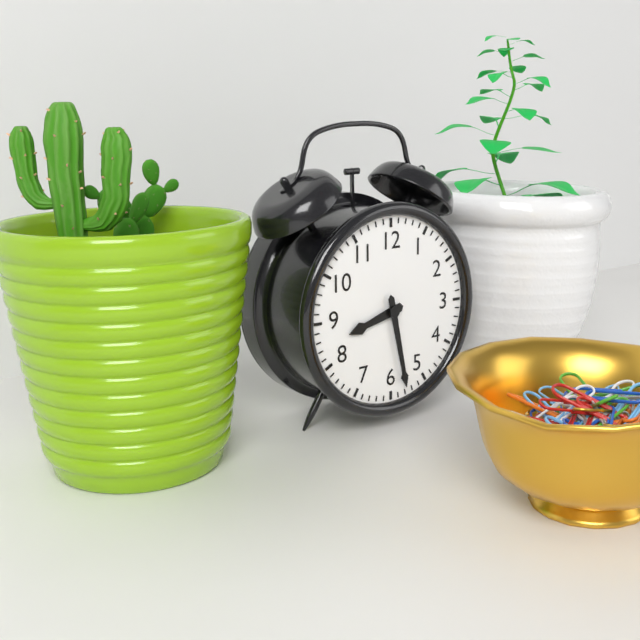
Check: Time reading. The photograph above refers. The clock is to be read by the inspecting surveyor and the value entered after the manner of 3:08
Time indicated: 8:28
